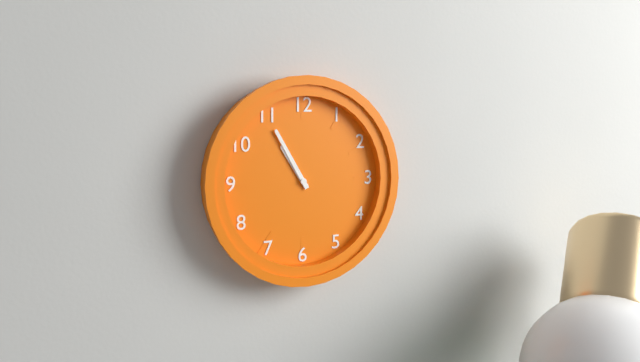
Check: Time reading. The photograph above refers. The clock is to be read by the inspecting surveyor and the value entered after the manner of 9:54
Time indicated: 10:55
